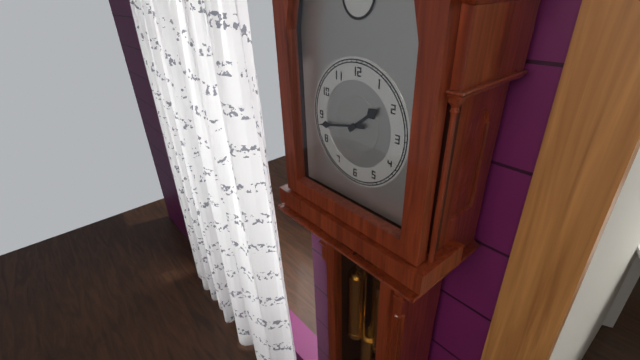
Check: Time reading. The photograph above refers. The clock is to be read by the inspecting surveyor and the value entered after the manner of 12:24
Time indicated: 1:43
